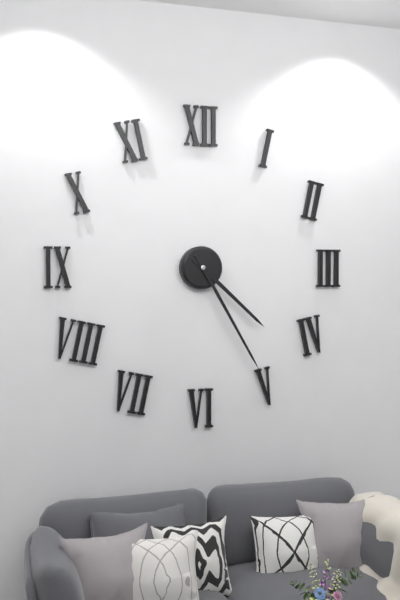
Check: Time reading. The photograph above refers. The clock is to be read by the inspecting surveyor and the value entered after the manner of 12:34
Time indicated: 4:25
